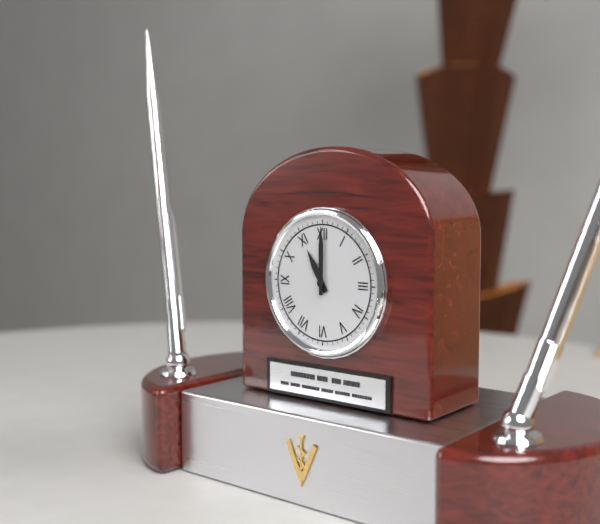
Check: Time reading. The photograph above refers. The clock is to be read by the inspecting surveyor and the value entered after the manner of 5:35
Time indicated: 11:00
